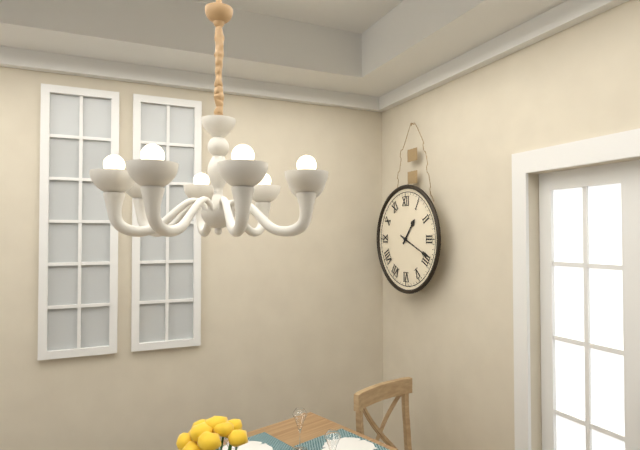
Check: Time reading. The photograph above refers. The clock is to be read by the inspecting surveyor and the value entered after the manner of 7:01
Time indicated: 1:19
